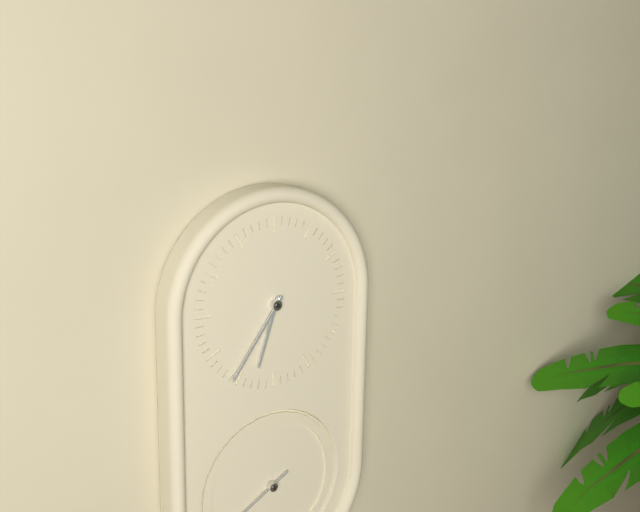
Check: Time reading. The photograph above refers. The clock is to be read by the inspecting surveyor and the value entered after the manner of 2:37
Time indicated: 6:36
